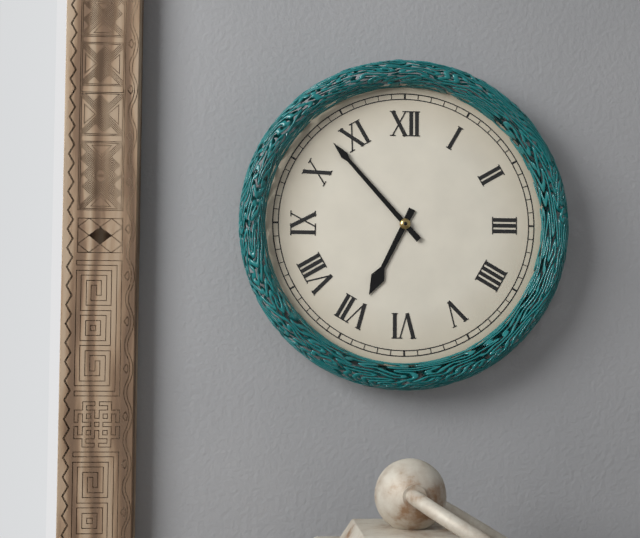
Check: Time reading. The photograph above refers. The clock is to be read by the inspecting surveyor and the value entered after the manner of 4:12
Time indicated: 6:53
